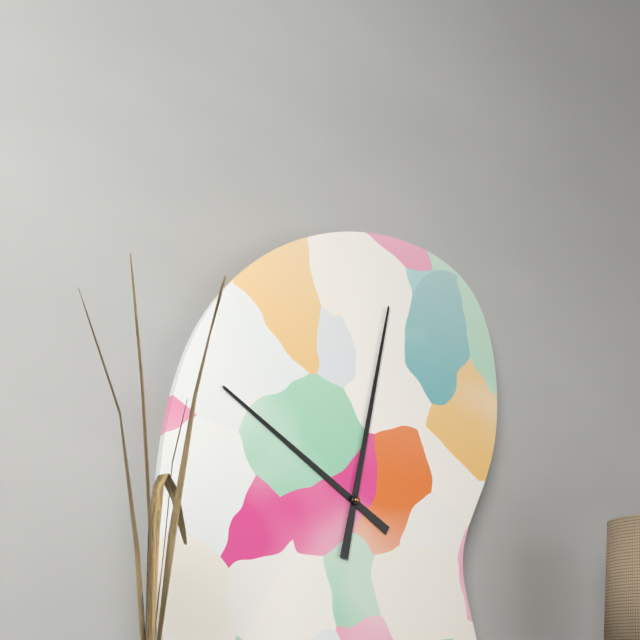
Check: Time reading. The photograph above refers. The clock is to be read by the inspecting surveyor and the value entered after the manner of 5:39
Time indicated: 10:02
